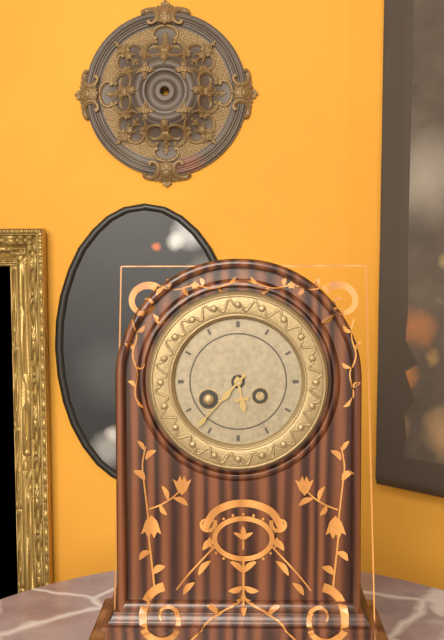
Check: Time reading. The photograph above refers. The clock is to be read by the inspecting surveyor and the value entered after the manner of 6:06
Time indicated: 5:37
